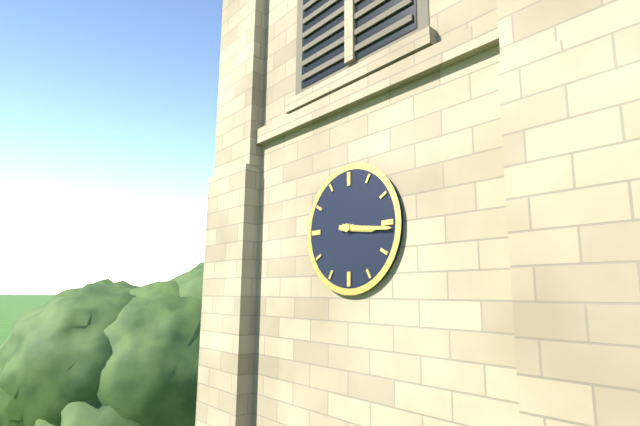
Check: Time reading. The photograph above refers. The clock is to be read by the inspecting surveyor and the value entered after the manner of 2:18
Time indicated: 3:16
